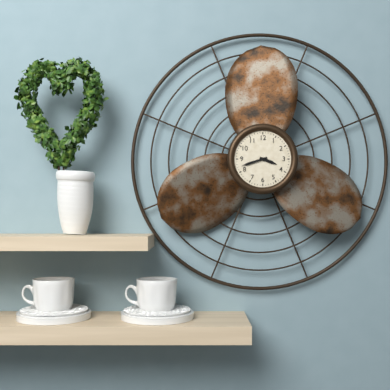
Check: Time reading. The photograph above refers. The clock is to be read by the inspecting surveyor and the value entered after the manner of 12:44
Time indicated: 3:42
